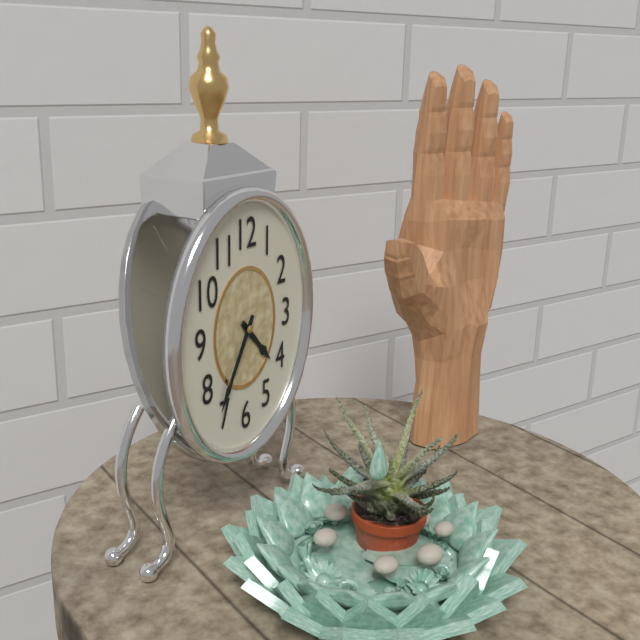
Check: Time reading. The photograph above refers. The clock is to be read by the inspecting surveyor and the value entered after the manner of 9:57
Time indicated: 4:35
